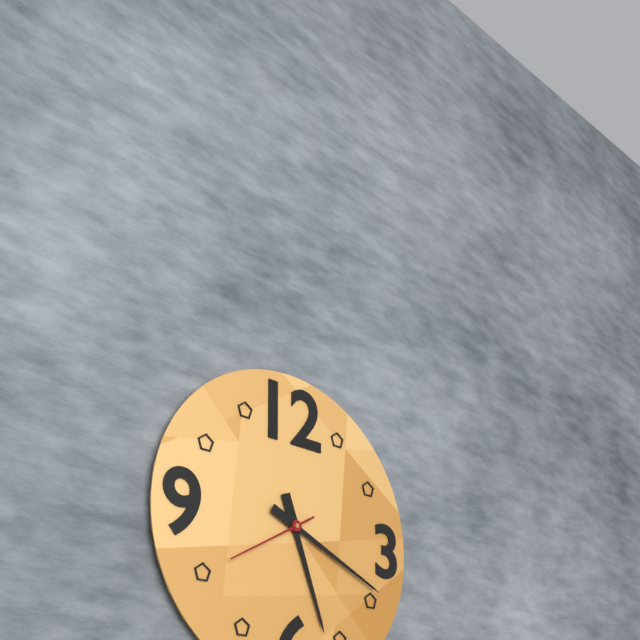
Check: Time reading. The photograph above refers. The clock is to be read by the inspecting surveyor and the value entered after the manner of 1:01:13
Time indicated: 5:19:40
